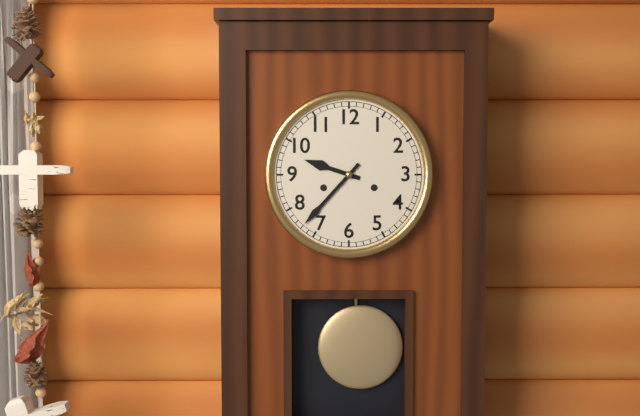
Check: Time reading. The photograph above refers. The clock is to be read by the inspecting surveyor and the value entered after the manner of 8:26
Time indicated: 9:37
